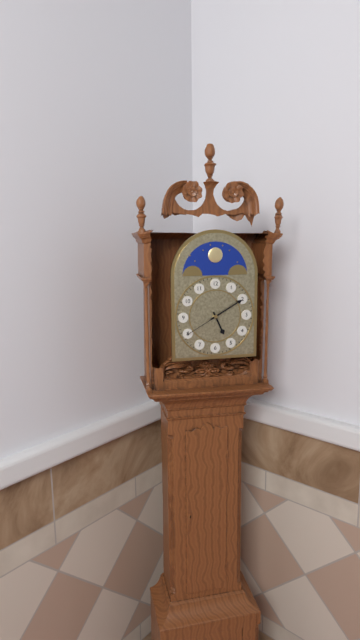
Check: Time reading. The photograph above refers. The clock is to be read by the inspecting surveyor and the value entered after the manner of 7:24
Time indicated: 5:10
